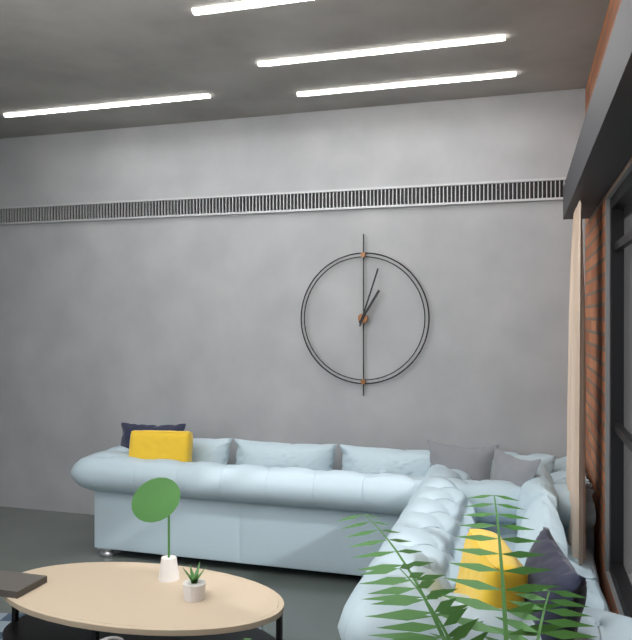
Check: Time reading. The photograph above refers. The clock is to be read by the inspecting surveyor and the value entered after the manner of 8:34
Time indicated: 1:03
